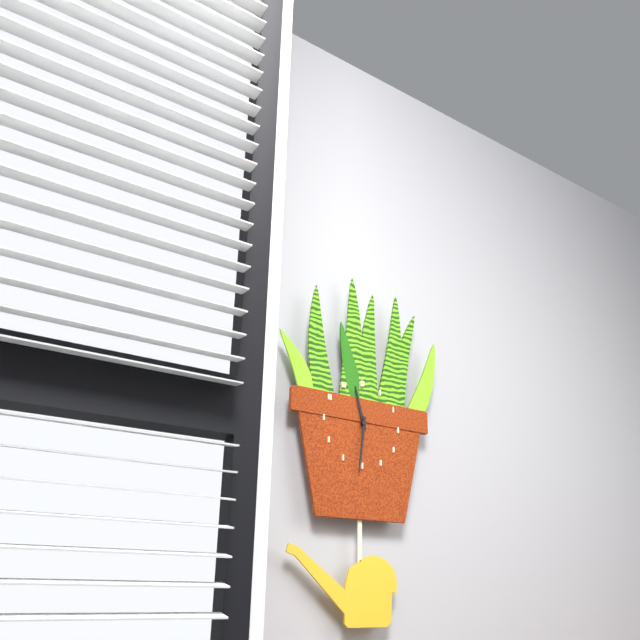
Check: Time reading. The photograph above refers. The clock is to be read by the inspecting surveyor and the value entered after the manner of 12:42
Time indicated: 11:31
